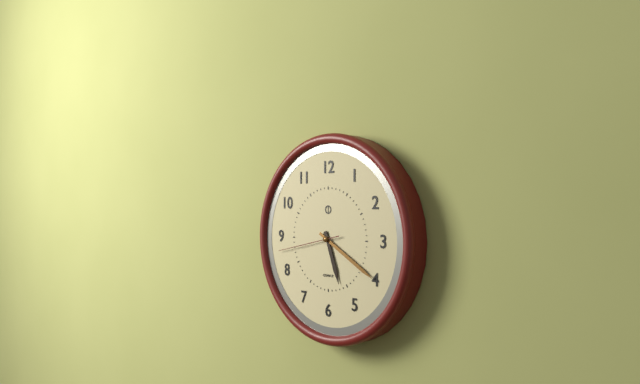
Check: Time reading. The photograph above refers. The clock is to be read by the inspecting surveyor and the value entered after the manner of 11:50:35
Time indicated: 5:20:43
